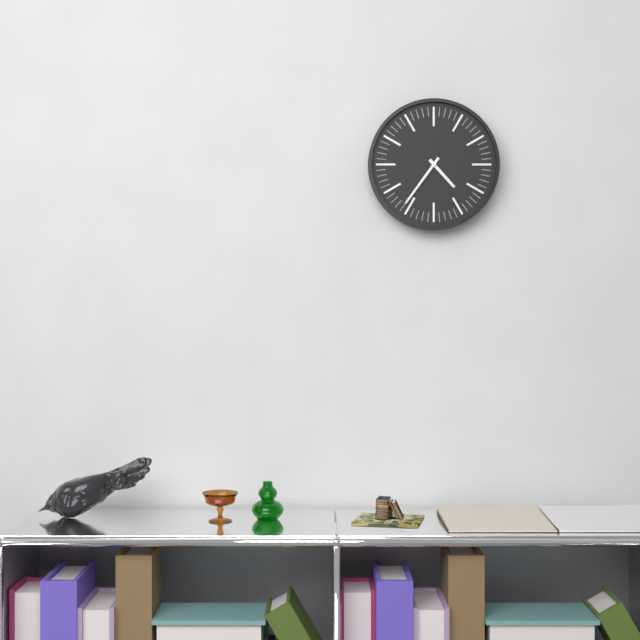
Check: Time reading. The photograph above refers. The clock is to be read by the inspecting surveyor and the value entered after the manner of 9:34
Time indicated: 4:36
